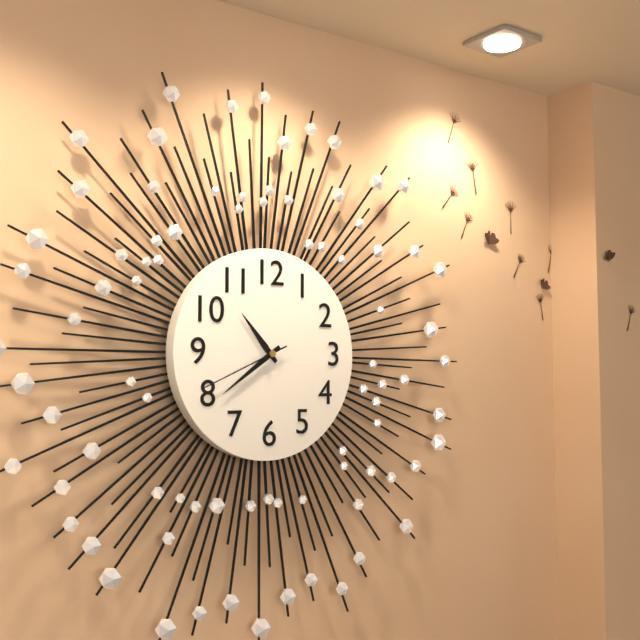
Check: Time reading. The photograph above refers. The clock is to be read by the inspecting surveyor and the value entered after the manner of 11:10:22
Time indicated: 10:39:41
